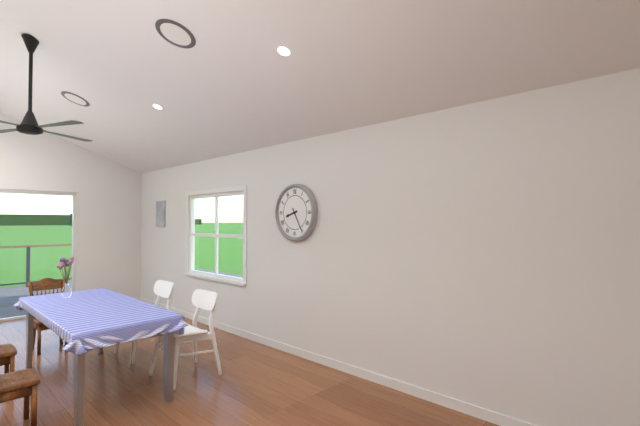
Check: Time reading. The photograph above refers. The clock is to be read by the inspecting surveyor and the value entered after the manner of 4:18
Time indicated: 8:25
